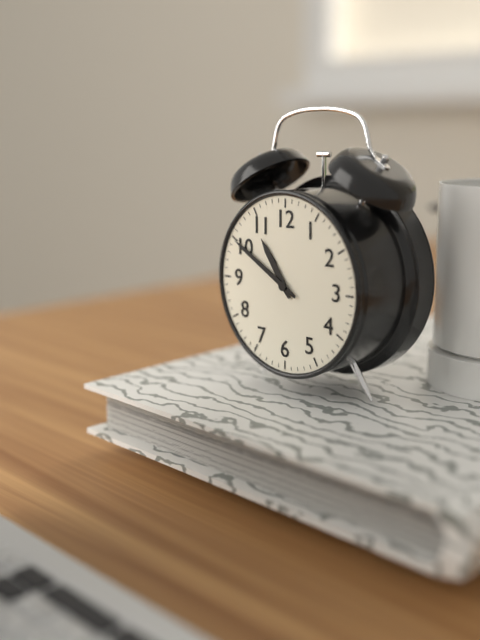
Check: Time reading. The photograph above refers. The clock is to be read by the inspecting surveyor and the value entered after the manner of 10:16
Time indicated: 10:50
